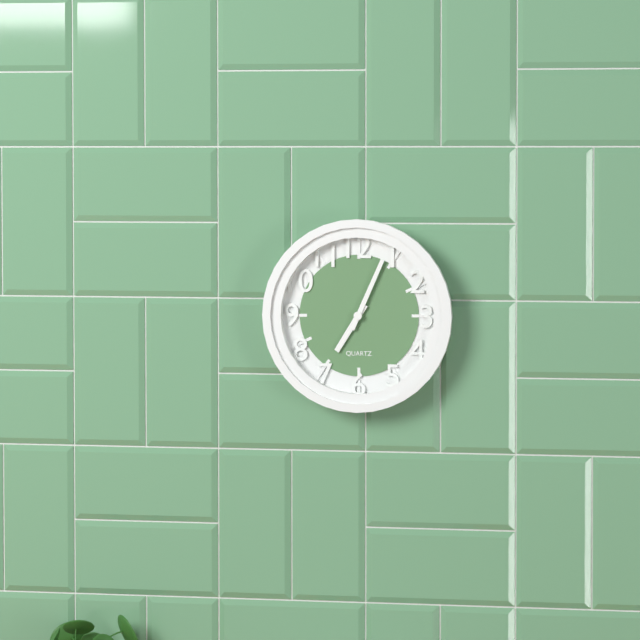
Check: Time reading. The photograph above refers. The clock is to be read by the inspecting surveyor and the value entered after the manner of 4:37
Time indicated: 7:04
